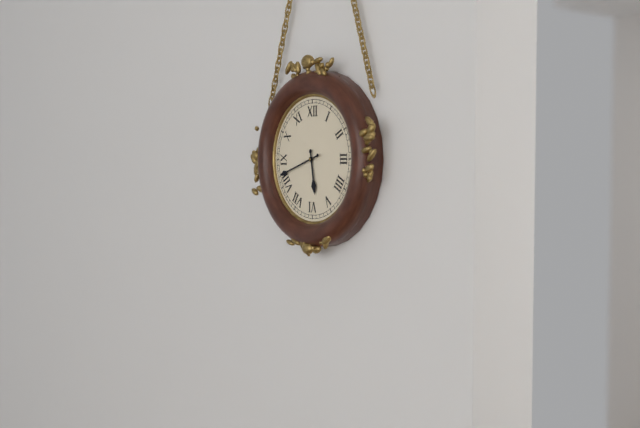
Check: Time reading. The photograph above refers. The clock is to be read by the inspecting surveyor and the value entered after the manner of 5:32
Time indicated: 5:42
